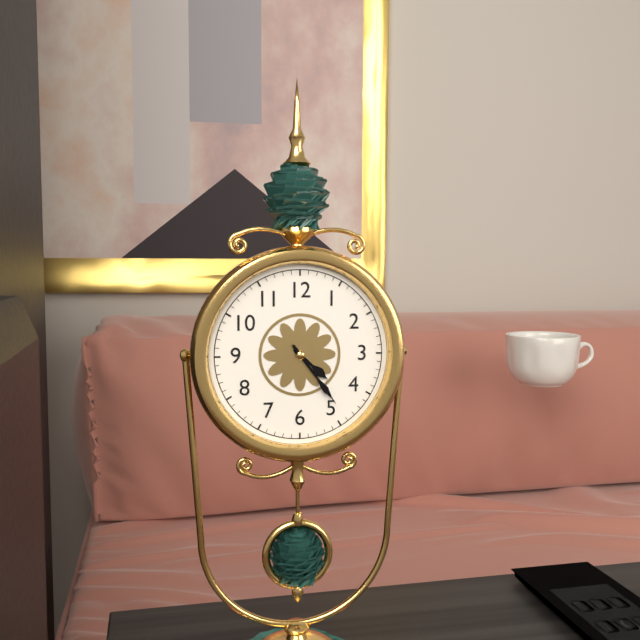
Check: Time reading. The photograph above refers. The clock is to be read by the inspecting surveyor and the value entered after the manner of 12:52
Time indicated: 4:24
